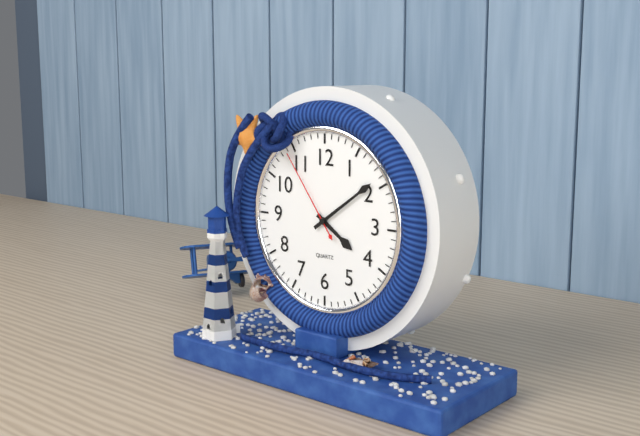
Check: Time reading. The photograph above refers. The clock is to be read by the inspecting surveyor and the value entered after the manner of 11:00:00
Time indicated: 4:09:54
